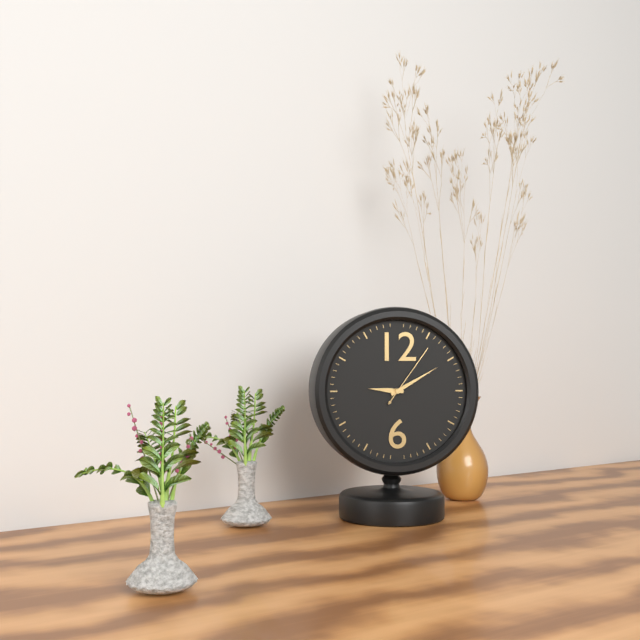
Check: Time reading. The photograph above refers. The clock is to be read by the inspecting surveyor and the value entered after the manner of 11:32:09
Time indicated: 9:10:06
